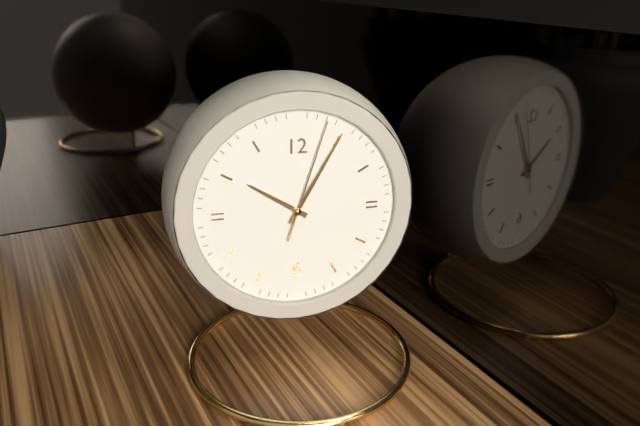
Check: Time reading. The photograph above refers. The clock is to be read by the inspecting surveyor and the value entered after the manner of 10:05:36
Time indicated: 10:05:03
